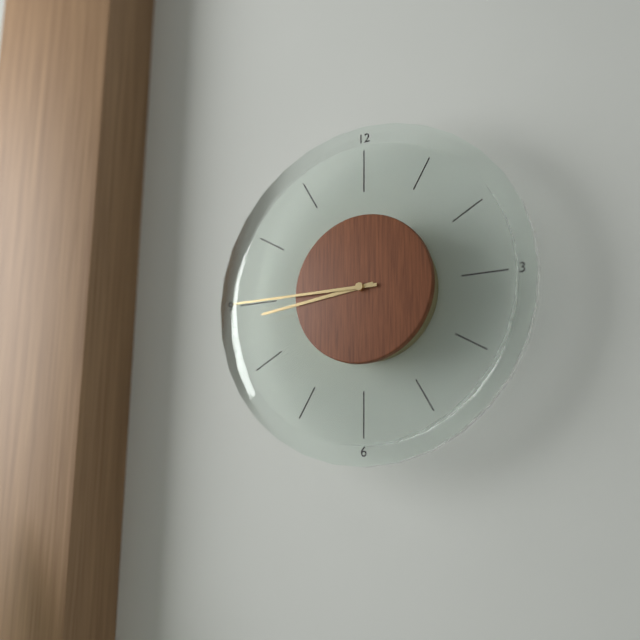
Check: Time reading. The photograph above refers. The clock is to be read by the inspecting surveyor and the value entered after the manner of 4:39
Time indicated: 8:45
